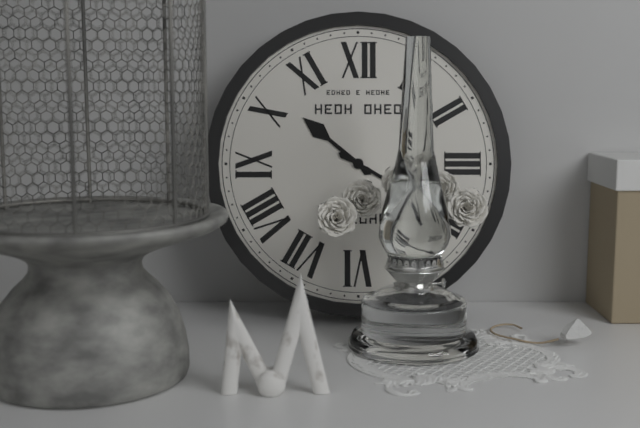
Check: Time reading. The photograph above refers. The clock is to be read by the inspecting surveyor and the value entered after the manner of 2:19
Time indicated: 10:20
